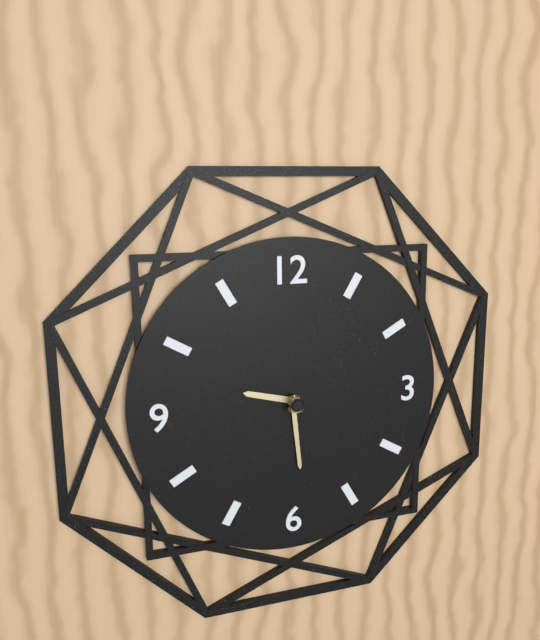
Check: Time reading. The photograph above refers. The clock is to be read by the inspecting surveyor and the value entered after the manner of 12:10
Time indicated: 9:29
